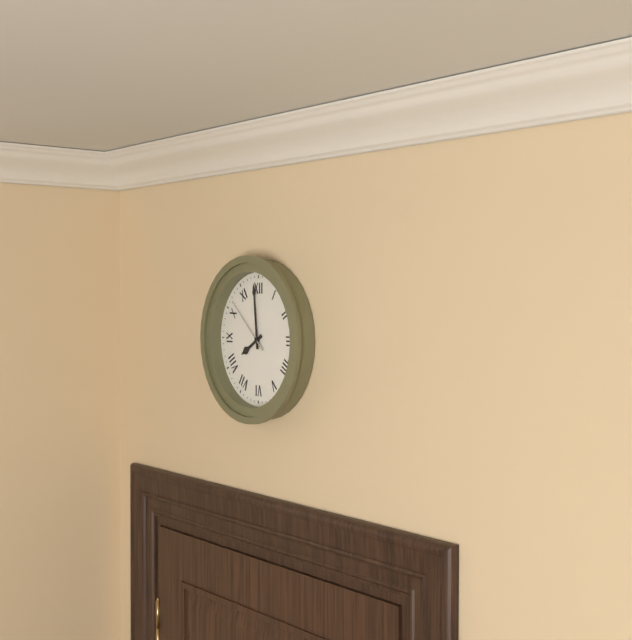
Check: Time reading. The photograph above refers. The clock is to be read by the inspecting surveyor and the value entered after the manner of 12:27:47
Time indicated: 7:59:52
